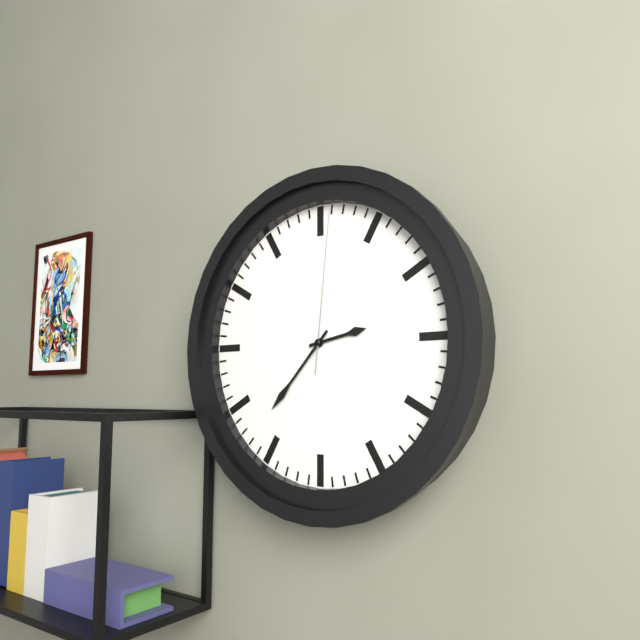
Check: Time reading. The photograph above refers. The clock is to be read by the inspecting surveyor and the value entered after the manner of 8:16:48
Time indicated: 2:37:01
